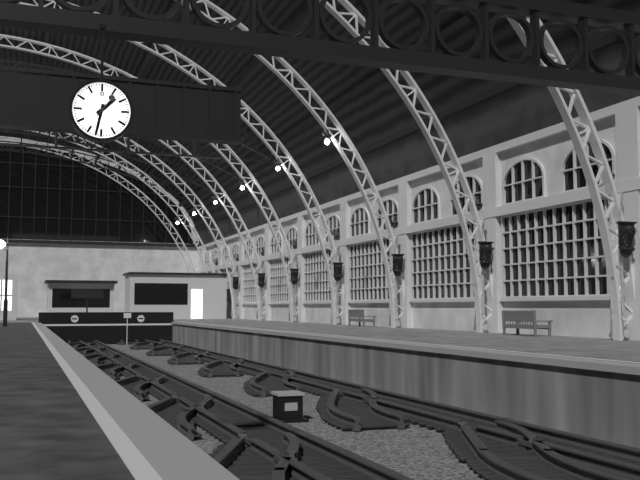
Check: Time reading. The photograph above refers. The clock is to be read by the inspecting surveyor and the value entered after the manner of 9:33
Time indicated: 1:32
